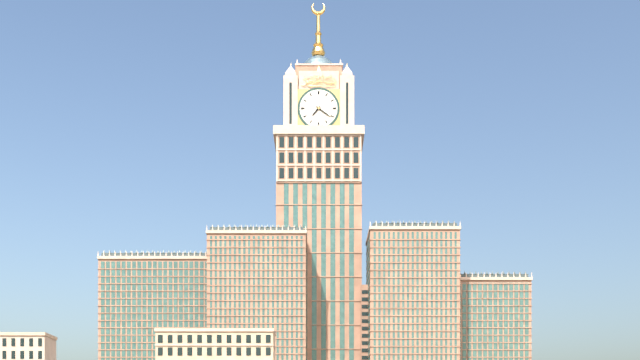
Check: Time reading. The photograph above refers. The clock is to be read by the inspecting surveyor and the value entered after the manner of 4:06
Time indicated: 7:21
